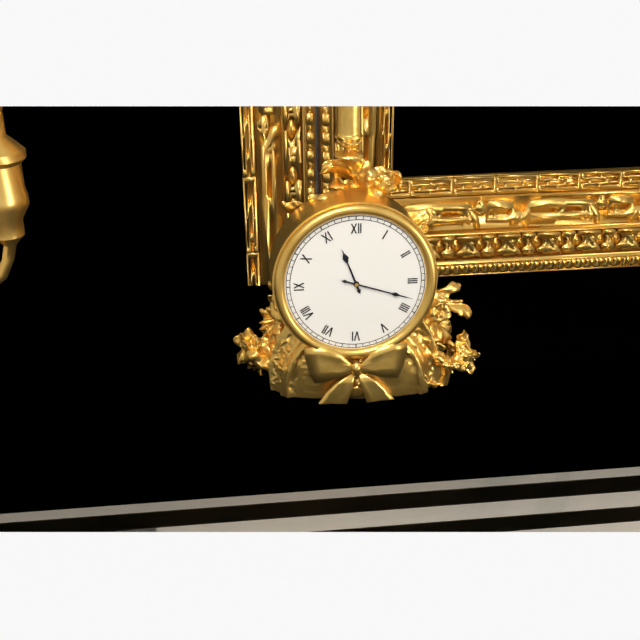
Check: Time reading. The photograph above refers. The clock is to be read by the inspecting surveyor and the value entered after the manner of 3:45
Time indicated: 11:18
